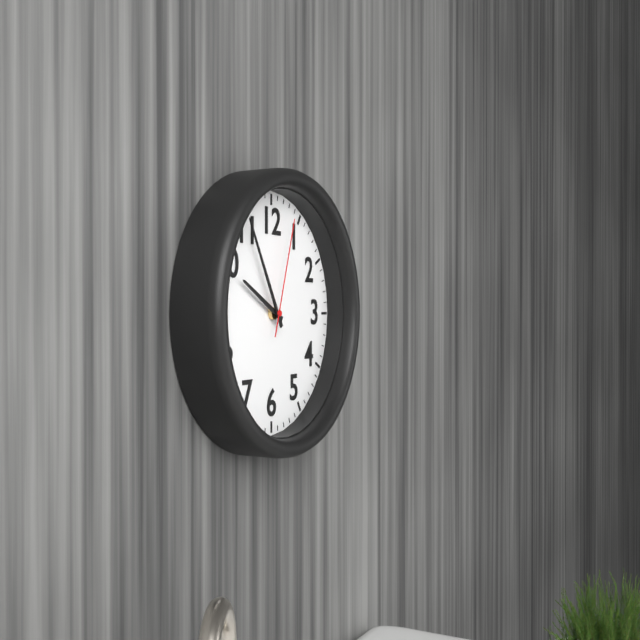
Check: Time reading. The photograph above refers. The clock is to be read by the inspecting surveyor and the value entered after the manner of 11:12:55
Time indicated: 9:55:03
